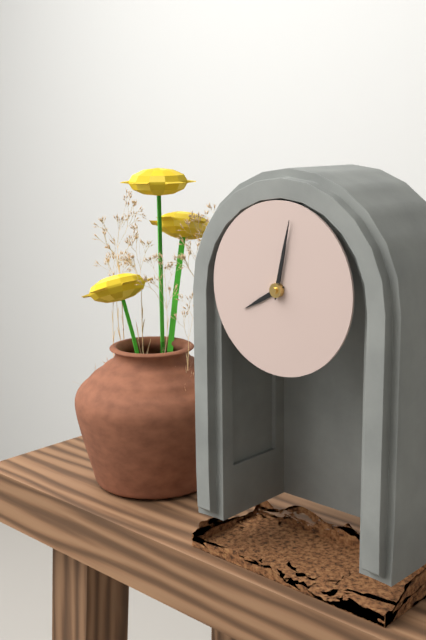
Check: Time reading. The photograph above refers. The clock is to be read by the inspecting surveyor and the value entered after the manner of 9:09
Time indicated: 8:02
